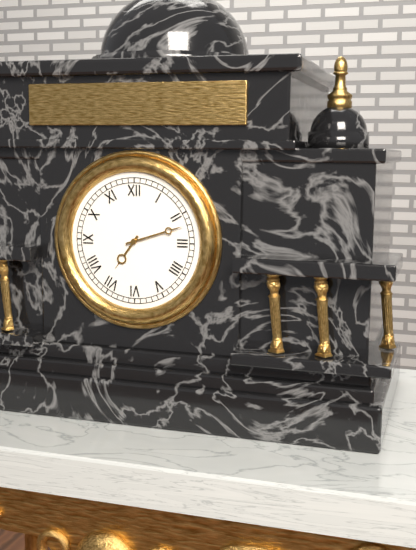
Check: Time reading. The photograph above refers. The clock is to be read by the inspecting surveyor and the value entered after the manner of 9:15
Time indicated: 7:12
